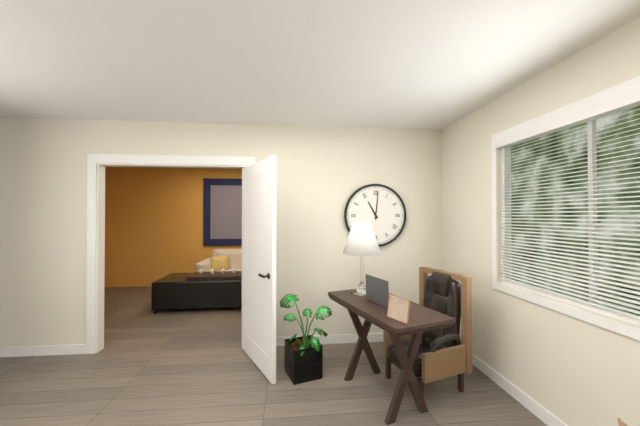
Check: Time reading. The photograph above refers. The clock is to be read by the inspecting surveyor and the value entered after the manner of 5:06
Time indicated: 11:01
